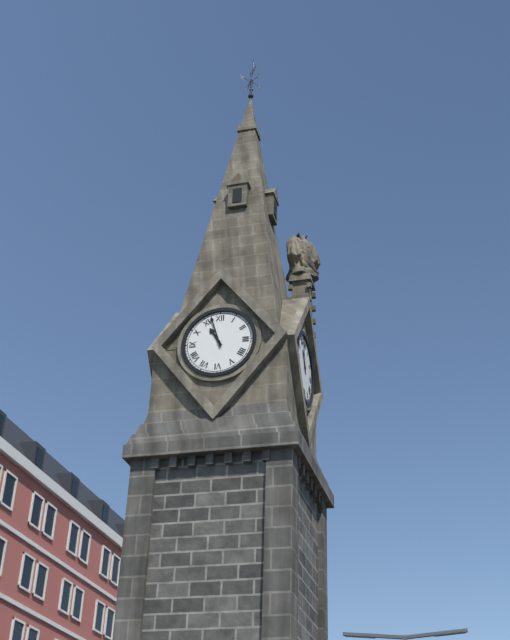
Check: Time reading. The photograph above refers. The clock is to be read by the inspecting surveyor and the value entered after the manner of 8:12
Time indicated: 10:57
